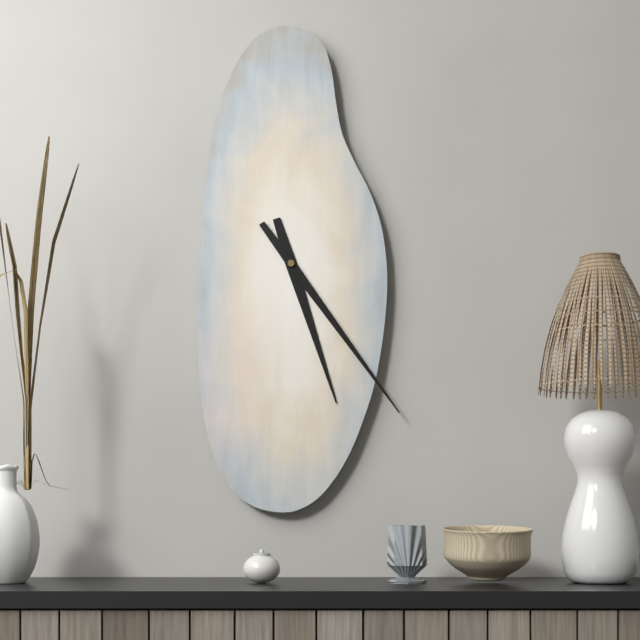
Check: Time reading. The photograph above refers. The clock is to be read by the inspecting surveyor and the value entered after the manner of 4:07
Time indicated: 5:24
